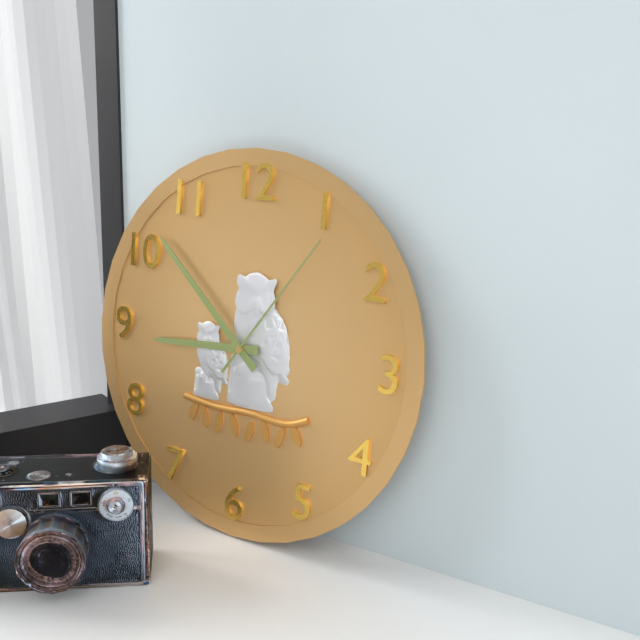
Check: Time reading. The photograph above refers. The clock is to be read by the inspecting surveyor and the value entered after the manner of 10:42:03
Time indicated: 8:52:06
